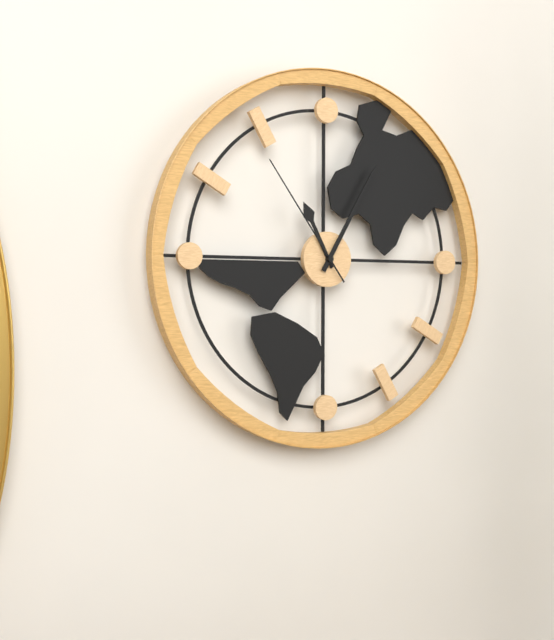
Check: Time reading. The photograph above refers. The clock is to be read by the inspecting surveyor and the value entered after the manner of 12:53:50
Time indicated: 11:05:54
